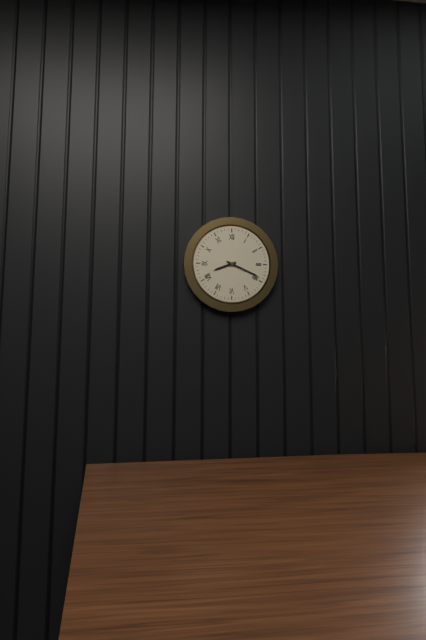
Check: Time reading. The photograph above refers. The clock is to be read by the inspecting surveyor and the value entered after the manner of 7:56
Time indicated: 8:19
